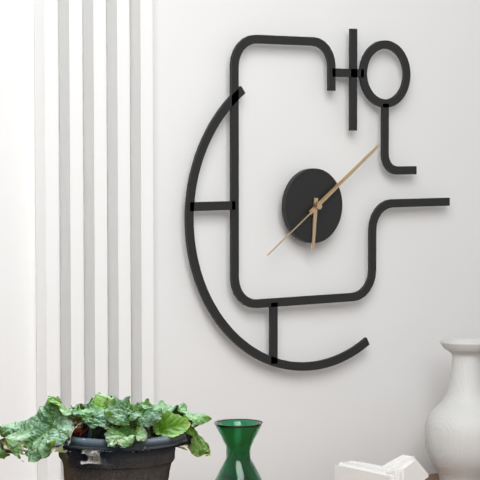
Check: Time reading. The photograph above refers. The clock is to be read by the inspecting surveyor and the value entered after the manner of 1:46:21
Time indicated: 6:09:39
